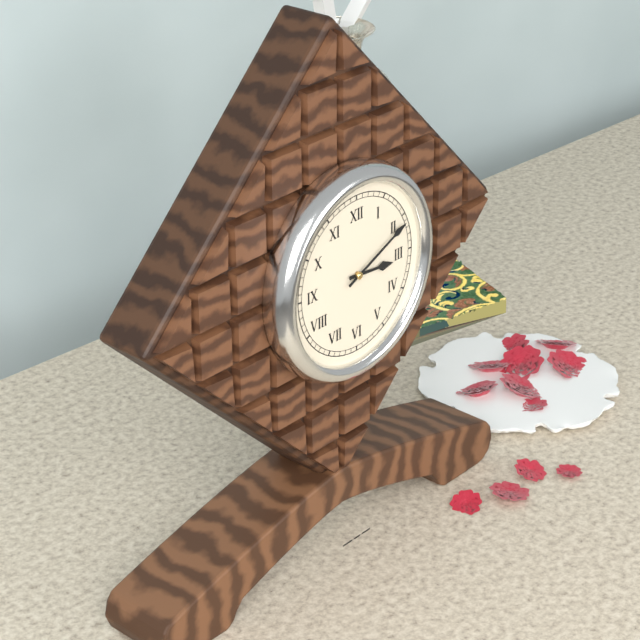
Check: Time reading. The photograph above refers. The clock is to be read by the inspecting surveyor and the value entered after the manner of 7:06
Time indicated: 3:11
